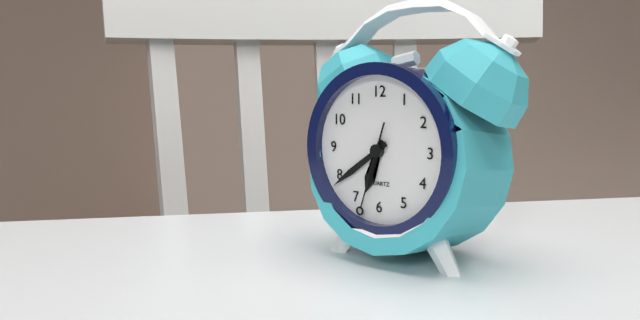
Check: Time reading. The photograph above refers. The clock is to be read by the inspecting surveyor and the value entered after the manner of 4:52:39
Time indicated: 6:39:33
